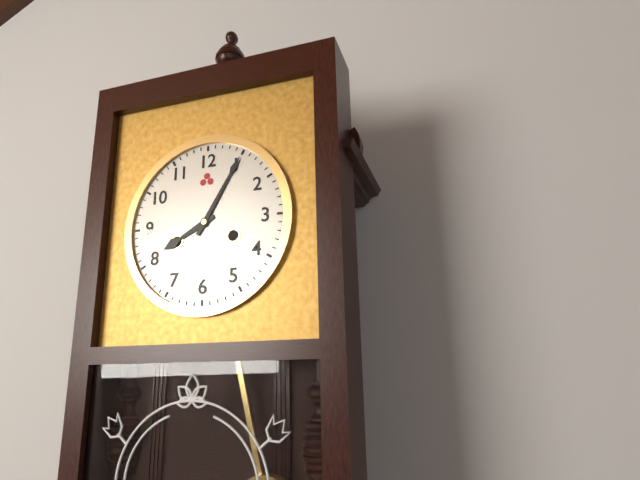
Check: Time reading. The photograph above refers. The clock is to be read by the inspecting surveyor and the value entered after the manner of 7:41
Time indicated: 8:05
